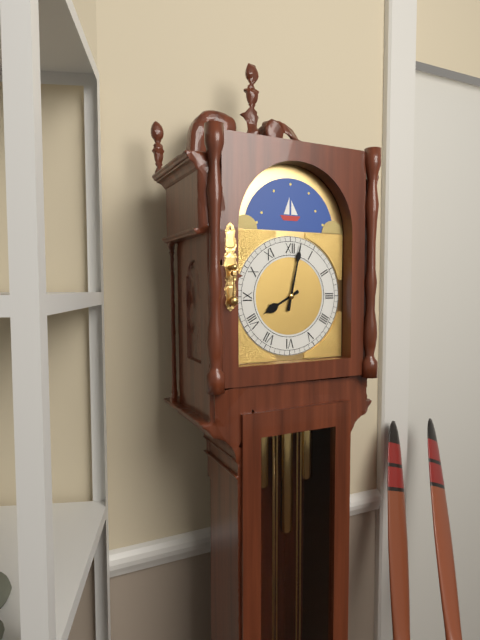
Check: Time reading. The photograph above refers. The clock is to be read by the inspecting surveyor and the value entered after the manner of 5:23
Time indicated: 8:02
